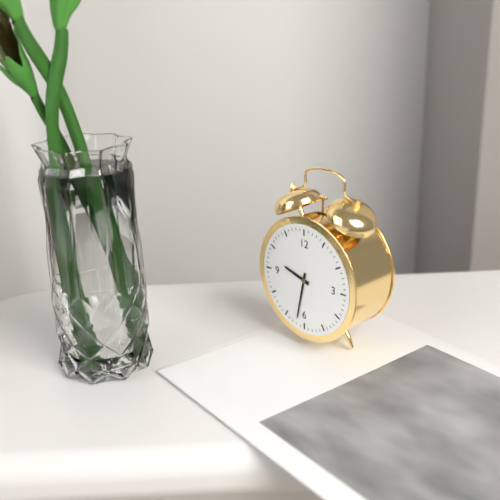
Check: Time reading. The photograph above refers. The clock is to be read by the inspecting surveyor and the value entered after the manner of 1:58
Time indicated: 9:32
